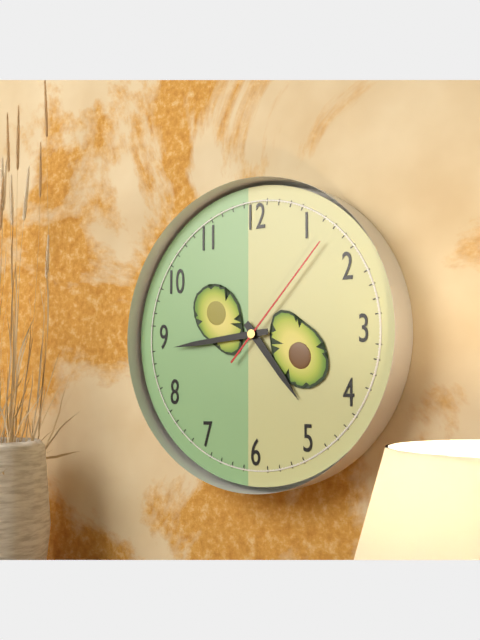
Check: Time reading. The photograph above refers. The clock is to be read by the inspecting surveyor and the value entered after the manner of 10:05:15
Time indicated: 4:44:07
